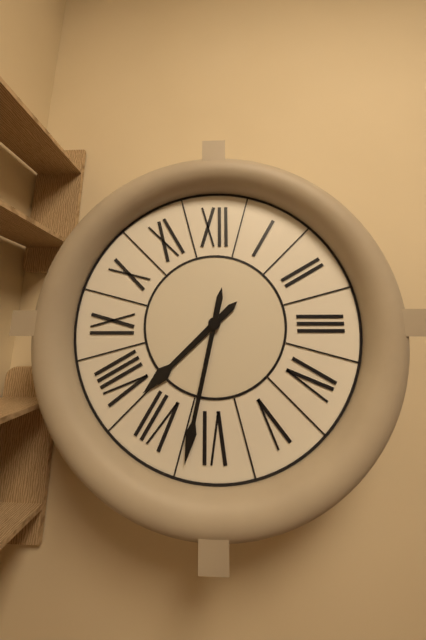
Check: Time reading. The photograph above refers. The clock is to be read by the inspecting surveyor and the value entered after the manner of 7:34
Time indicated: 7:32
